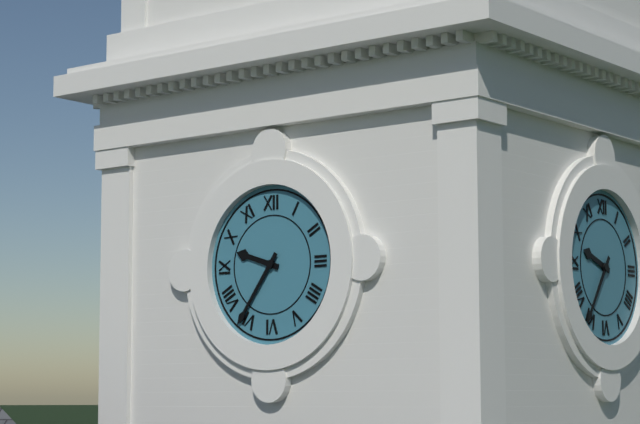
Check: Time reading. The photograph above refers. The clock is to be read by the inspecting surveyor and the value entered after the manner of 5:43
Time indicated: 9:36
